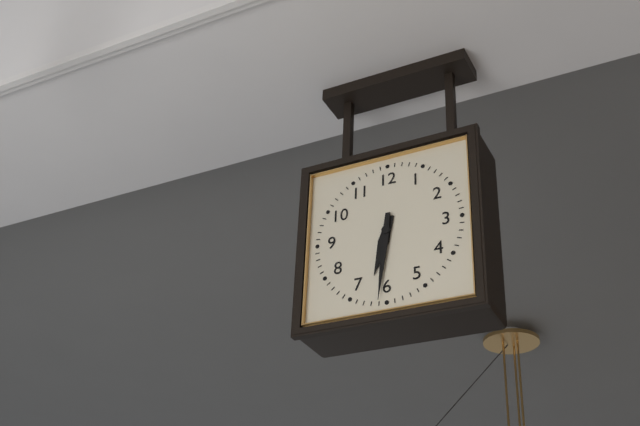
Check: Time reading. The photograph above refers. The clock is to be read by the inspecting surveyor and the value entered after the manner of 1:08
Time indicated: 6:31
